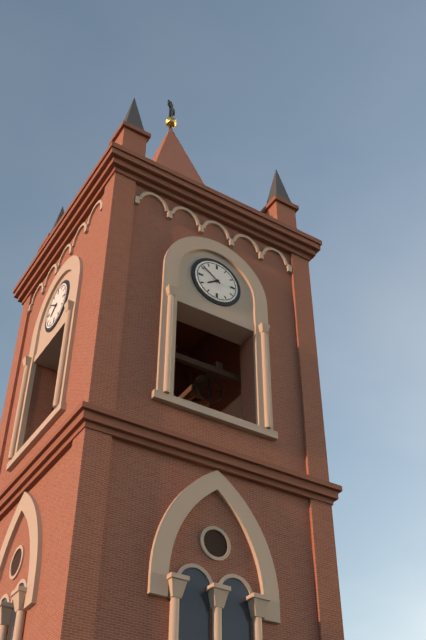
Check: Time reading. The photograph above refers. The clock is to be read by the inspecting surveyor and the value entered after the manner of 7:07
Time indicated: 7:51
